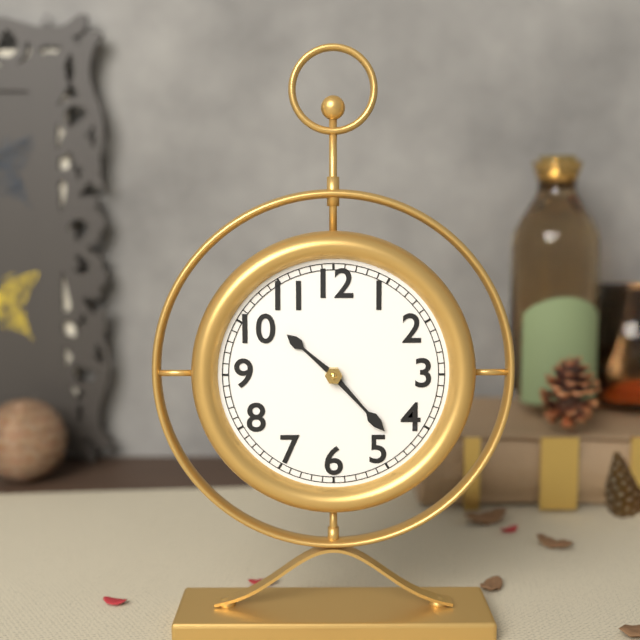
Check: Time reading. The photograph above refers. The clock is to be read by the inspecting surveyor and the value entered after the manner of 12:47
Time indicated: 10:23
